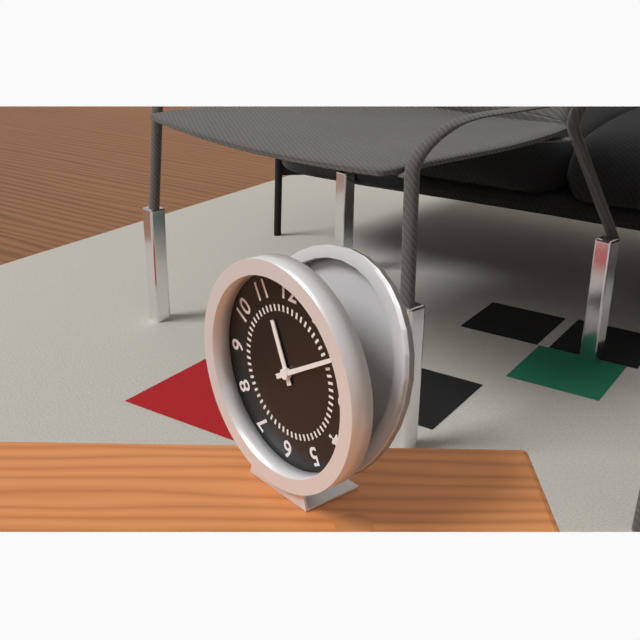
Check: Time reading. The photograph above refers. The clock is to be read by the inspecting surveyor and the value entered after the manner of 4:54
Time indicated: 11:10
